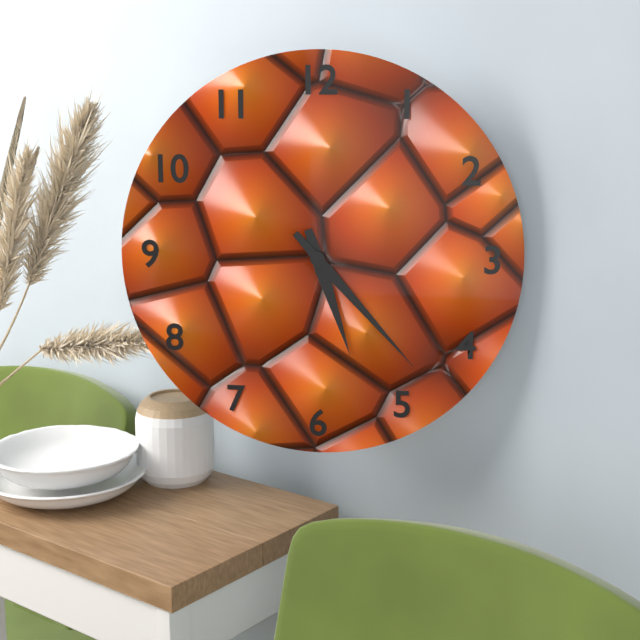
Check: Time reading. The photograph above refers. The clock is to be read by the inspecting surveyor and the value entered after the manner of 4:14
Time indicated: 5:23
